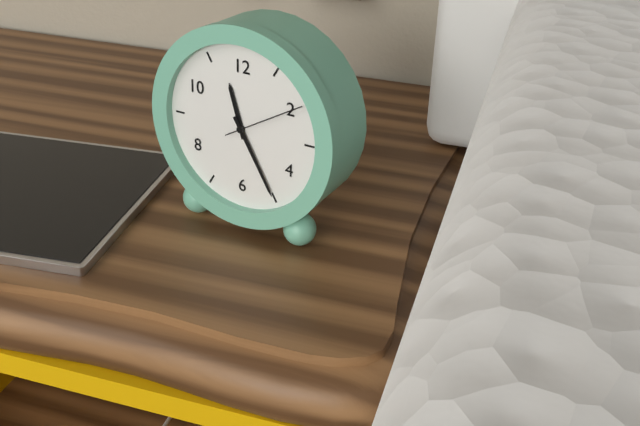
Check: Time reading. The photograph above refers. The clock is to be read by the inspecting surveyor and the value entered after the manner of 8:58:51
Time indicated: 11:25:10
